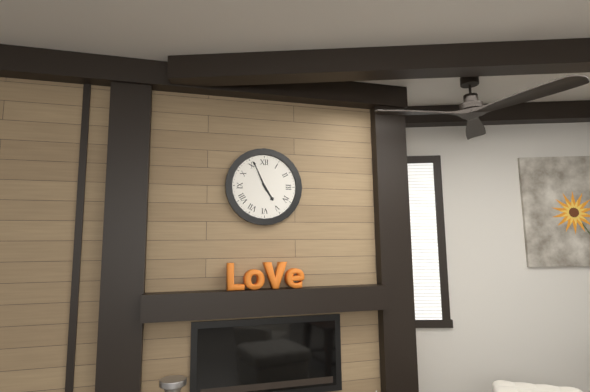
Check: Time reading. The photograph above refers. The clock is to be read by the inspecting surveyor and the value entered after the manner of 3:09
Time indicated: 4:56
